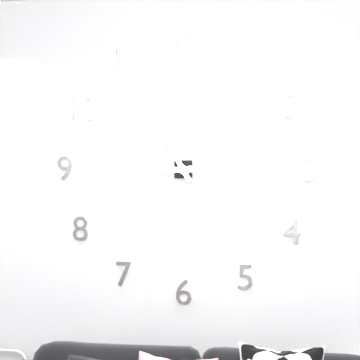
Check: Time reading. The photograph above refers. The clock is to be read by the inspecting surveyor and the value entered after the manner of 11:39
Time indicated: 8:55
